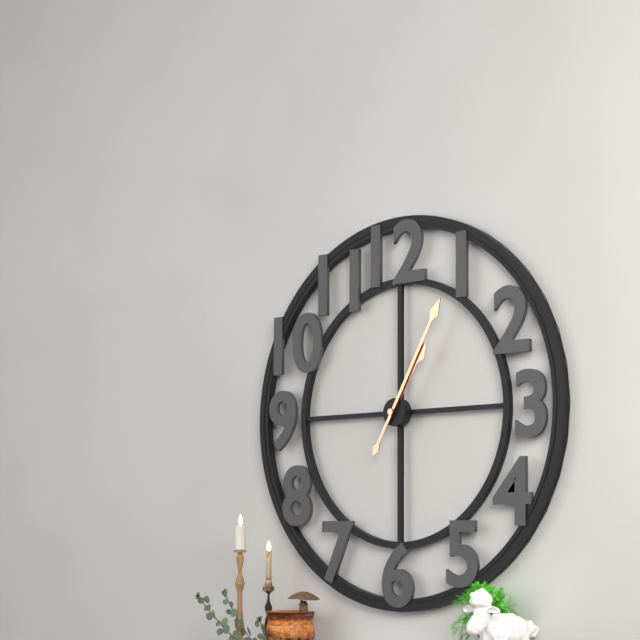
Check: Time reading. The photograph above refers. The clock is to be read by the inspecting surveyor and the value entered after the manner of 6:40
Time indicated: 1:05
